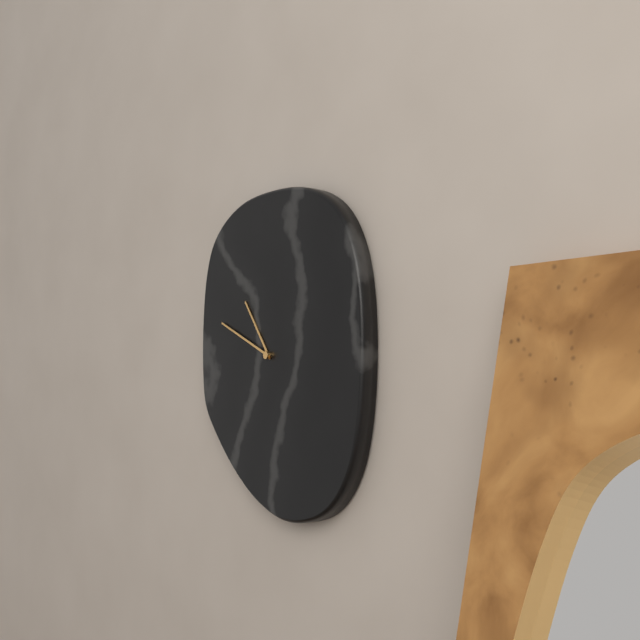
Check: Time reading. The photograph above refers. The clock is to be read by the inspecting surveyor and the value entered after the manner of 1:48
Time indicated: 10:49
